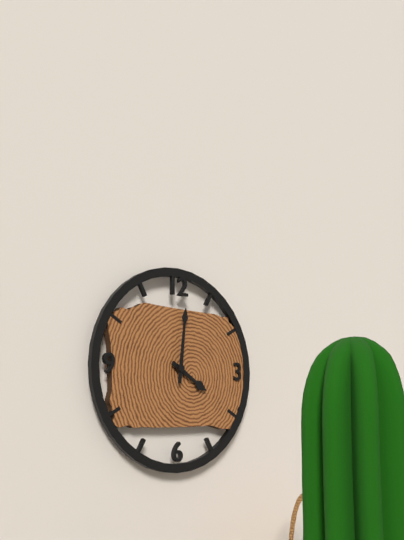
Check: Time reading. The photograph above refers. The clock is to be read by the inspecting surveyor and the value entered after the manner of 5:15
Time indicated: 4:01
